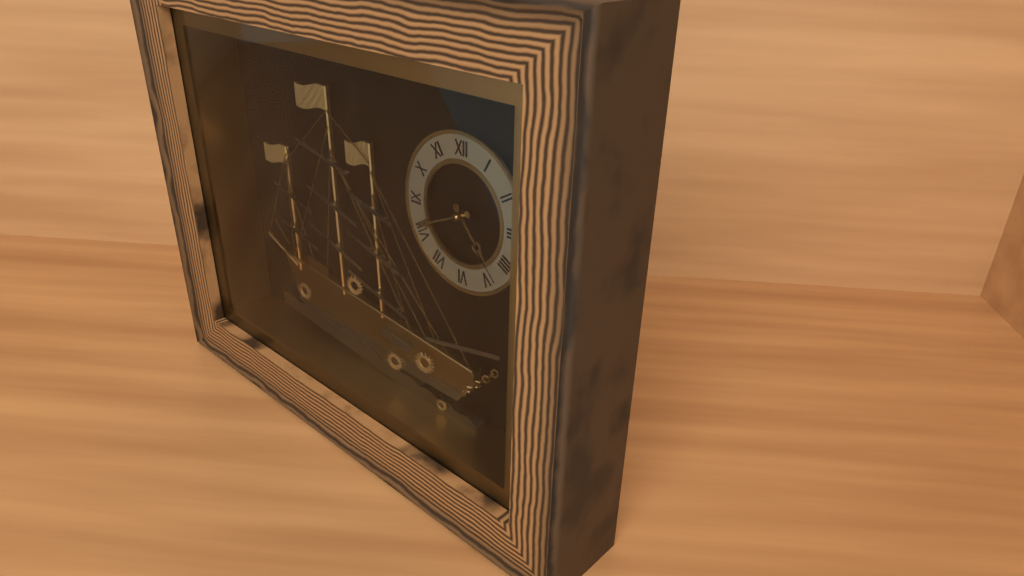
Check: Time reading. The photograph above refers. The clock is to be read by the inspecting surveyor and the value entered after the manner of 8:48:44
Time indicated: 4:41:23
